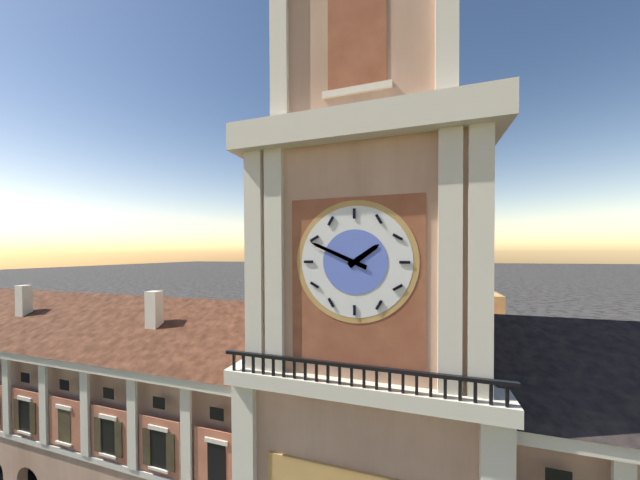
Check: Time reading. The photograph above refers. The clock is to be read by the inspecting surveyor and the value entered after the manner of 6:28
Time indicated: 1:49
